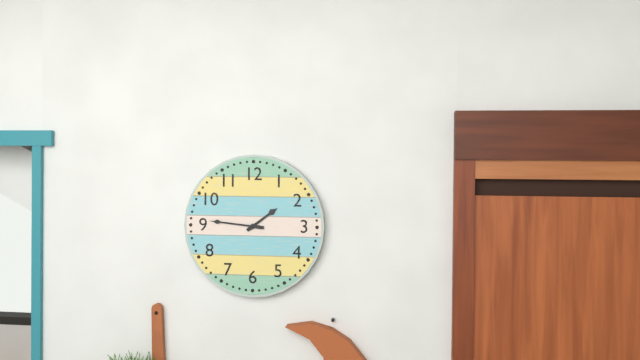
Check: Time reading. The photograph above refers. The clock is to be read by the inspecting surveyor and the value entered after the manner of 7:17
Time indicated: 1:46
